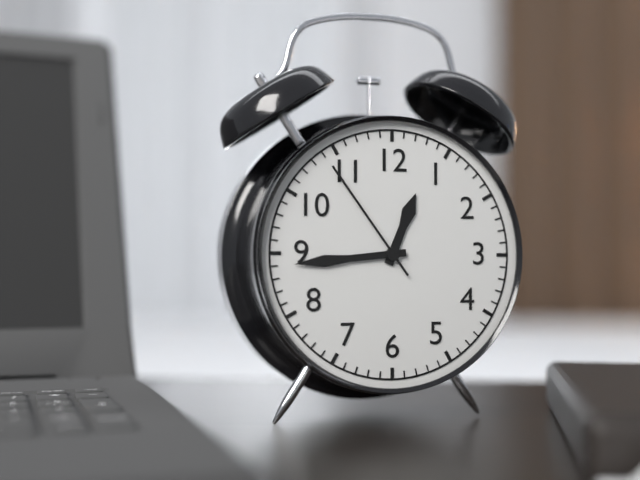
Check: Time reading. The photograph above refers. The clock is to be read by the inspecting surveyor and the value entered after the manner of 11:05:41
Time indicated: 12:44:54
